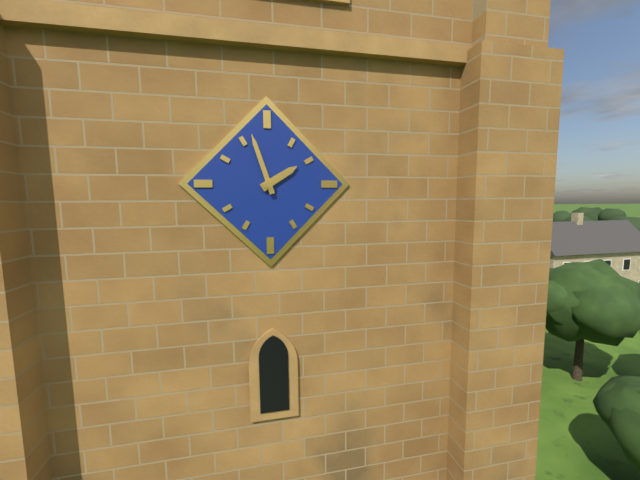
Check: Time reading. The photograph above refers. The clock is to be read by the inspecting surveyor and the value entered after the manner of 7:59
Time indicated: 1:57
